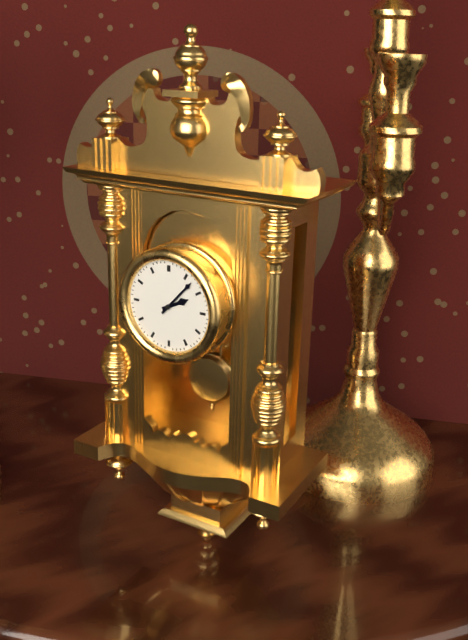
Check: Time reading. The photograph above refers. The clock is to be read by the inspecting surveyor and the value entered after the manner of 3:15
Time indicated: 2:07
